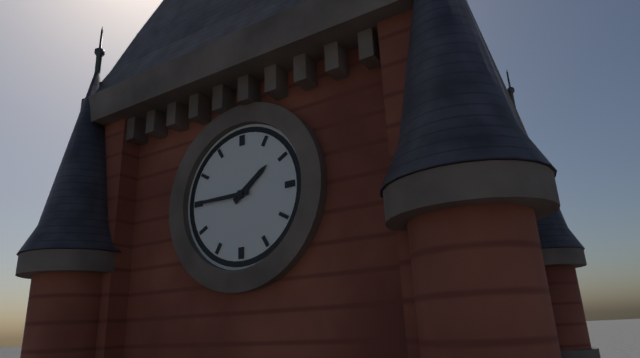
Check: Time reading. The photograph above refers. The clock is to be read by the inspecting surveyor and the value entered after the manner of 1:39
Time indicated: 1:45
